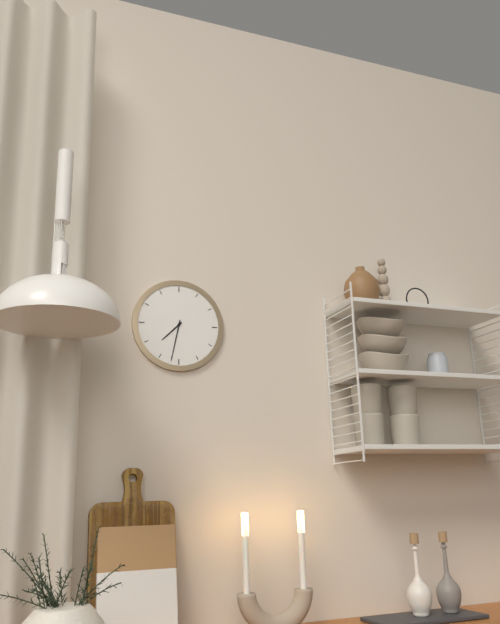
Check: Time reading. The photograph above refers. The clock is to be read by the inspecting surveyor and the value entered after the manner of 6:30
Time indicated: 7:32
